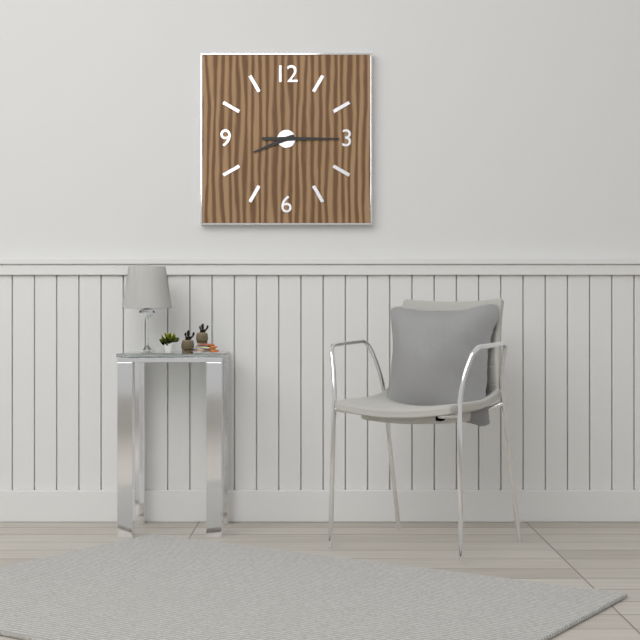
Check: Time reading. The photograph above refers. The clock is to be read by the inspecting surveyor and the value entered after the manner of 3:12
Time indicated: 8:15
